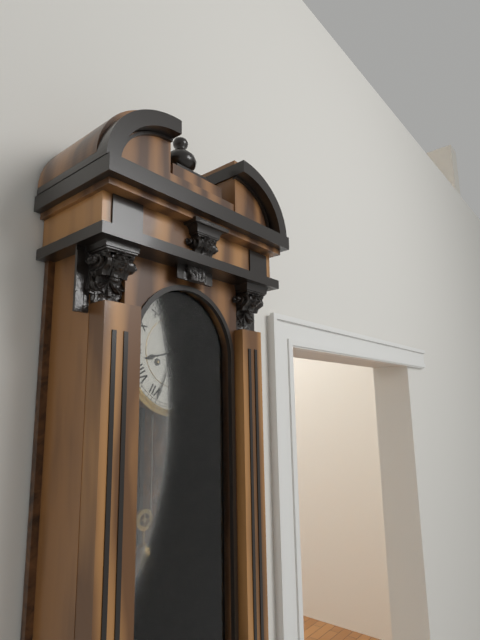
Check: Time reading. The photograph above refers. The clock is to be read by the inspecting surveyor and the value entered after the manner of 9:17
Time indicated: 8:34
